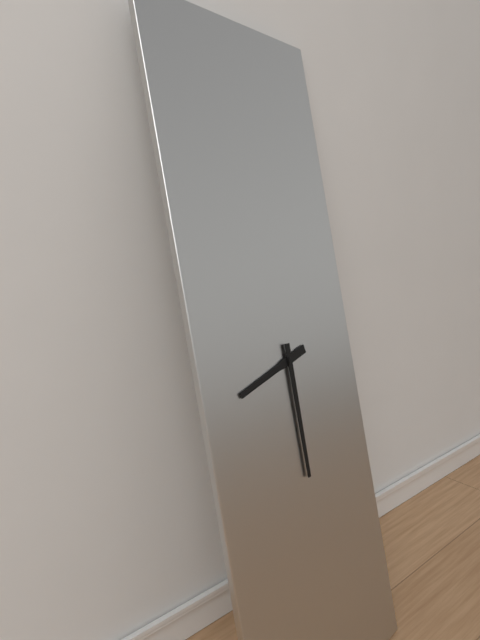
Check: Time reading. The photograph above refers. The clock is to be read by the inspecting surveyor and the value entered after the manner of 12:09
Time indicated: 8:30
